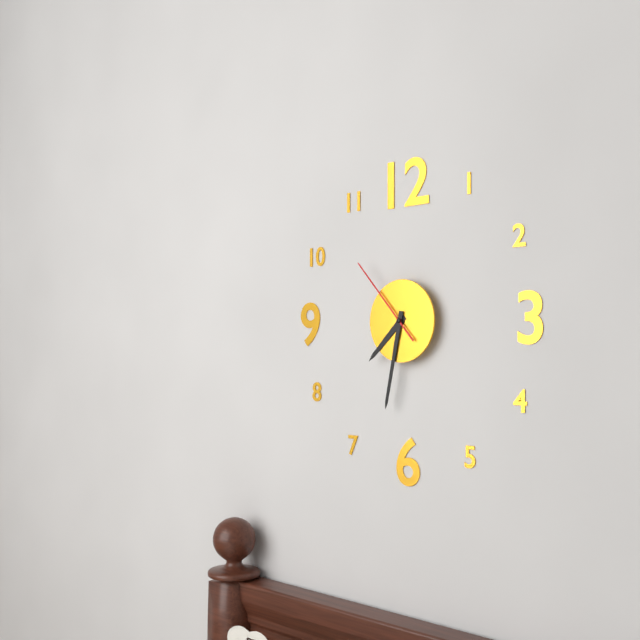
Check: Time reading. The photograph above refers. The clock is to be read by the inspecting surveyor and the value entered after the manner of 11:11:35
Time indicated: 7:32:53
